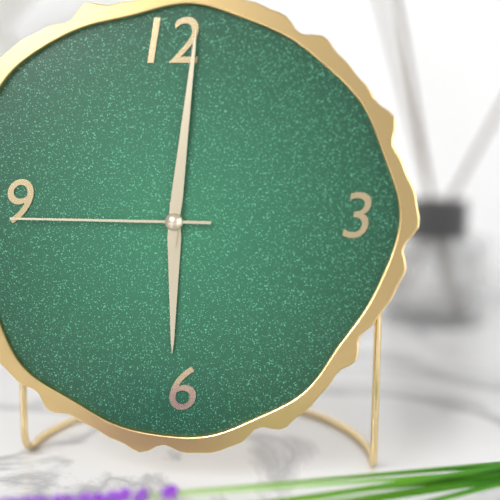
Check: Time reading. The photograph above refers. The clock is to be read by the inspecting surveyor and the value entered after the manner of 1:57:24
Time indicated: 6:01:45
